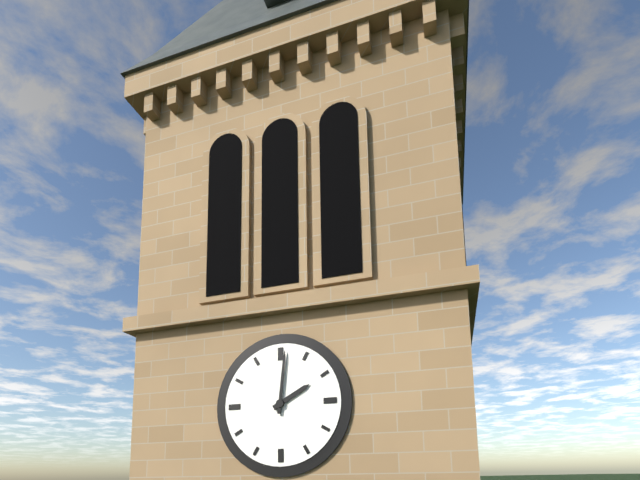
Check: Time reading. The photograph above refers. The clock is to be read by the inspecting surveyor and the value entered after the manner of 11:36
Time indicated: 2:01
